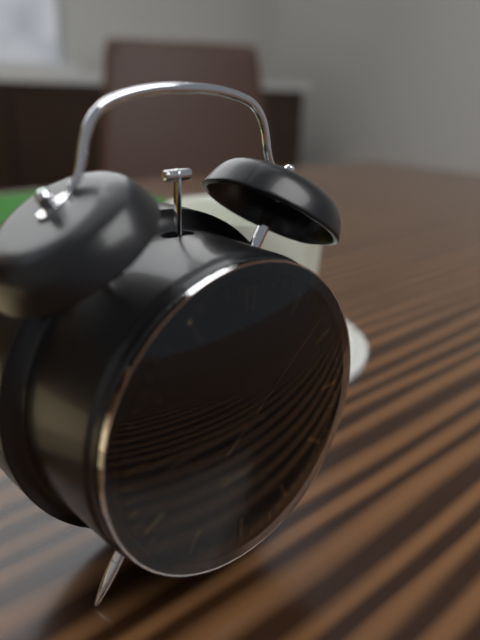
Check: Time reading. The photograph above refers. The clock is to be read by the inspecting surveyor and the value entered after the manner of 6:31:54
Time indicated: 8:45:08
